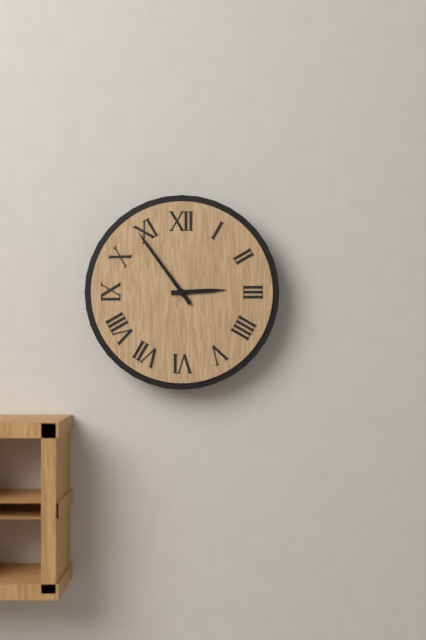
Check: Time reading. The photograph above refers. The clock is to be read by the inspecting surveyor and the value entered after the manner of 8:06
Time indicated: 2:54
